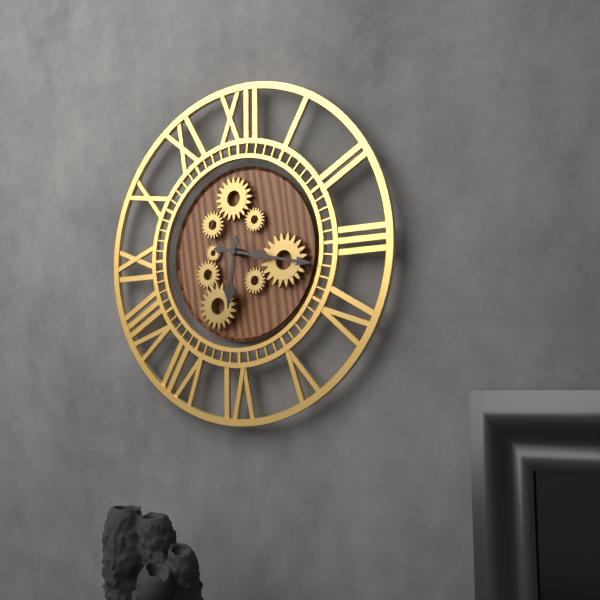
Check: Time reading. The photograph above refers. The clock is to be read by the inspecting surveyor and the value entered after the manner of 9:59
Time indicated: 6:17
